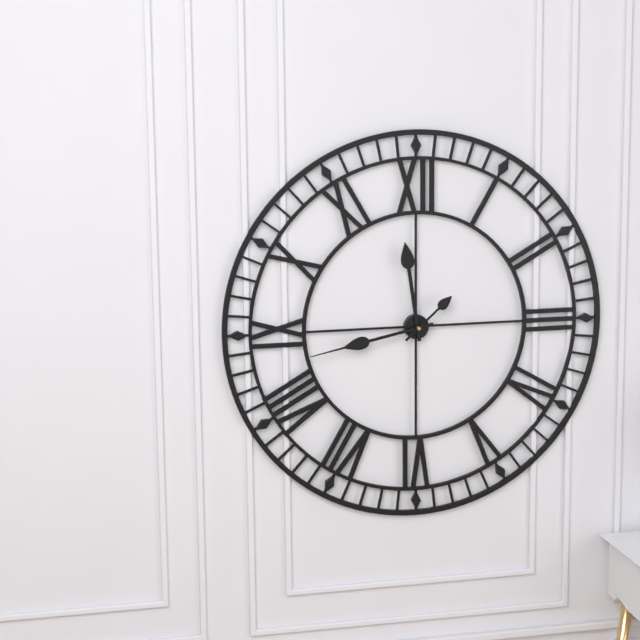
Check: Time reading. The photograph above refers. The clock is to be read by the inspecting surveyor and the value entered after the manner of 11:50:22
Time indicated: 11:43:08
